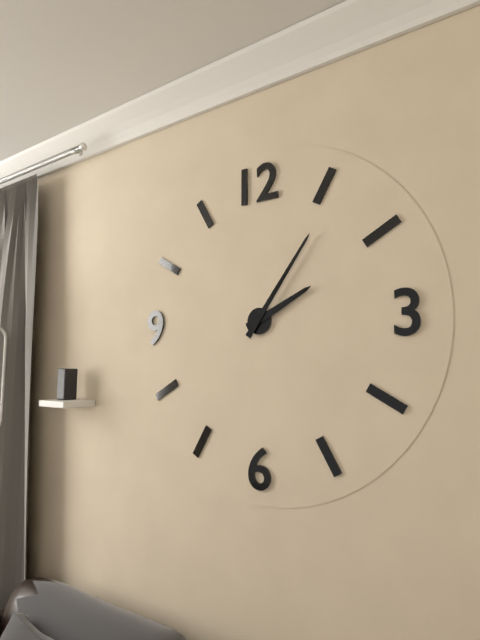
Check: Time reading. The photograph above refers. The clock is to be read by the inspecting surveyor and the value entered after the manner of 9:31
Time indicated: 2:06
